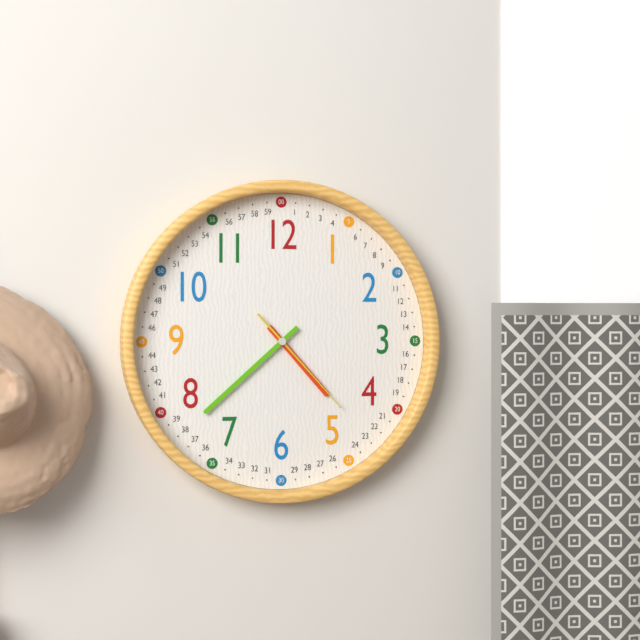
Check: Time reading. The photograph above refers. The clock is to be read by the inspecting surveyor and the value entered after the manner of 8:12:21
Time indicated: 4:38:23
